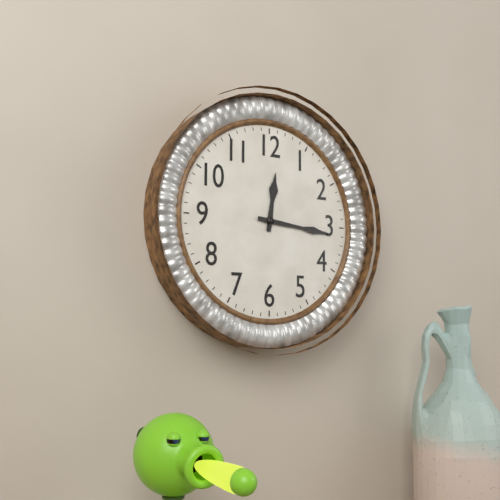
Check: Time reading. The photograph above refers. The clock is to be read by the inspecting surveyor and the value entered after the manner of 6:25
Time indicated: 12:16
